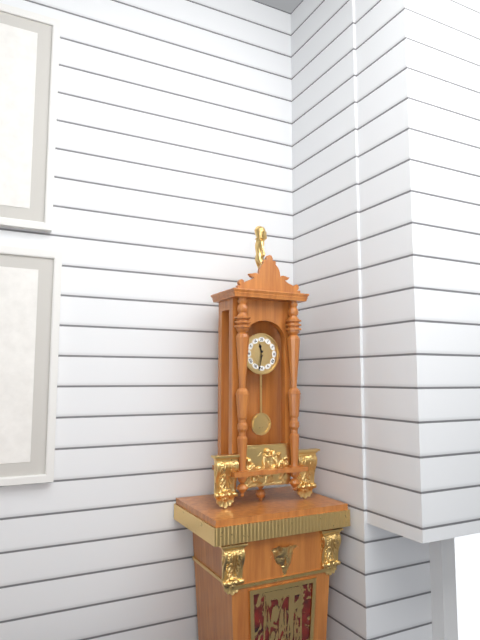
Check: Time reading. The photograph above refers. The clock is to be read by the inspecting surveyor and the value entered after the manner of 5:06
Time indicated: 11:32
